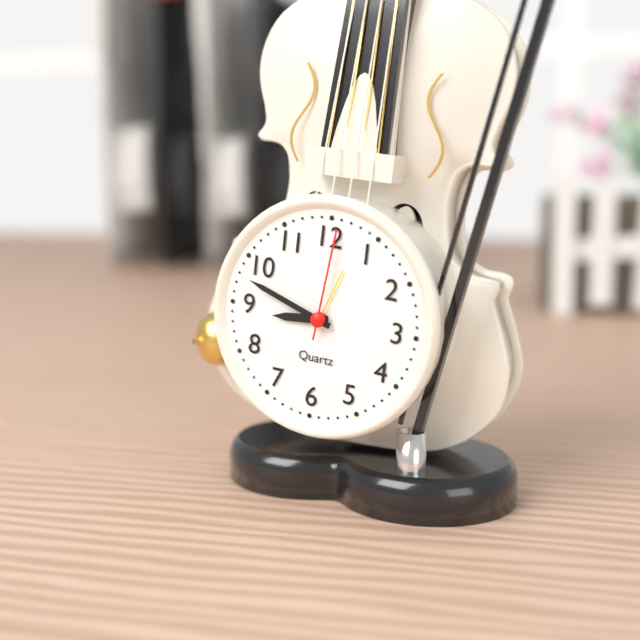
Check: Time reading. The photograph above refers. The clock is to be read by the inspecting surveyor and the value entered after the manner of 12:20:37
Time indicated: 8:48:01
